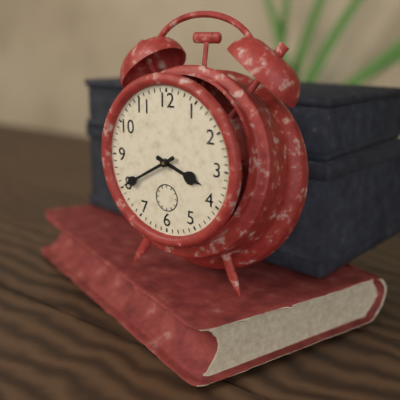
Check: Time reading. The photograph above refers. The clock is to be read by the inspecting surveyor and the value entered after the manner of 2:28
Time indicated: 3:40
